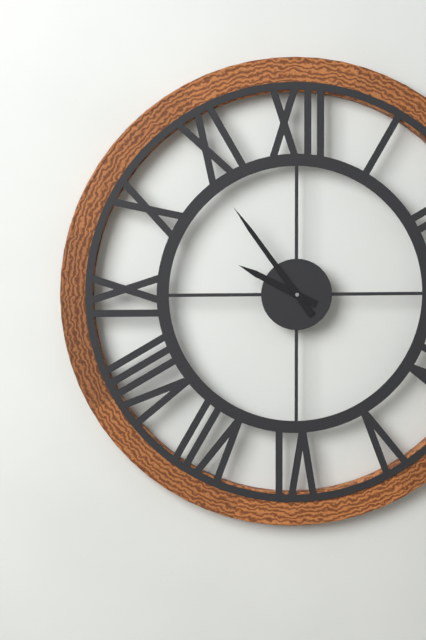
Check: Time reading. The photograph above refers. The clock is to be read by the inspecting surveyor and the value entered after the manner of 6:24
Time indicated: 9:54
